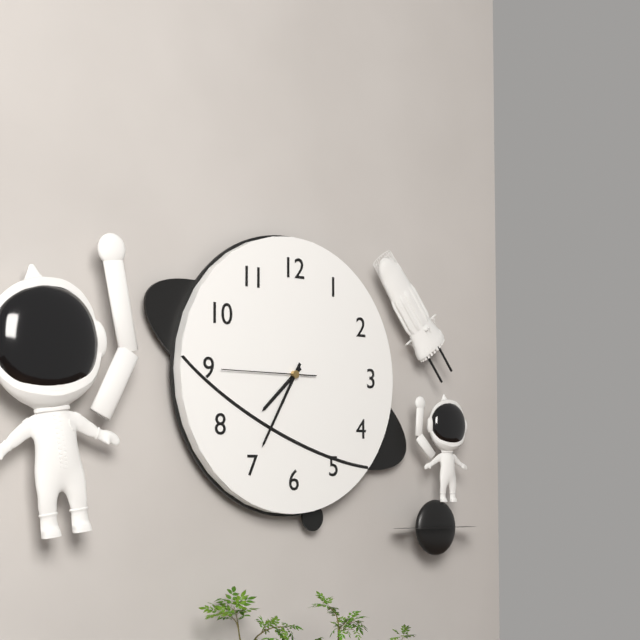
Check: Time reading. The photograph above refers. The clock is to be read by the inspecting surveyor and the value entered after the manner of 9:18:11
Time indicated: 7:35:45
